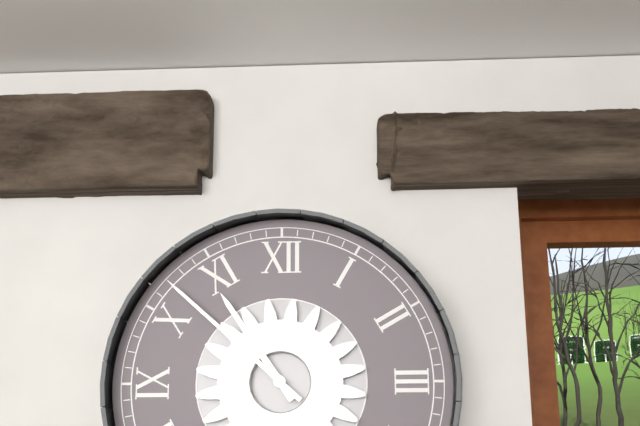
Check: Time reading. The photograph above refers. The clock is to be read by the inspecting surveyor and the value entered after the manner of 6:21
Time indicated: 10:52
